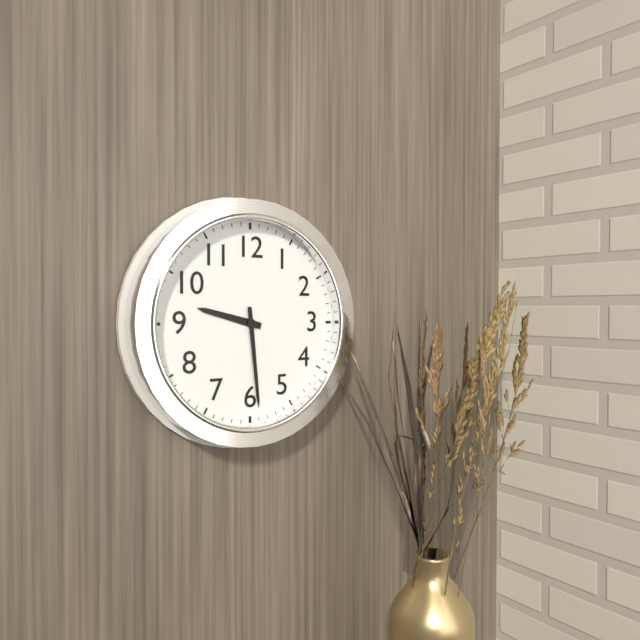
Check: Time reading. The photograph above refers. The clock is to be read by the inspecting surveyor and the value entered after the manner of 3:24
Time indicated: 9:29
